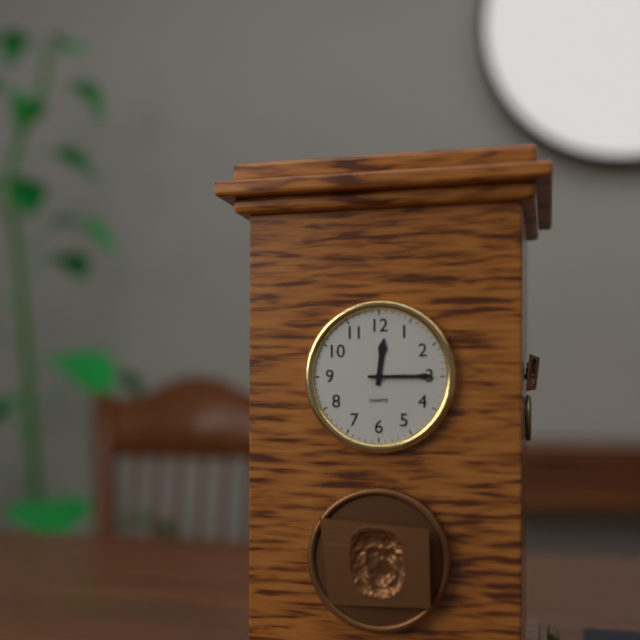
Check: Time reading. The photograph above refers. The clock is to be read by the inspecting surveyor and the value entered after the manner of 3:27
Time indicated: 12:15
